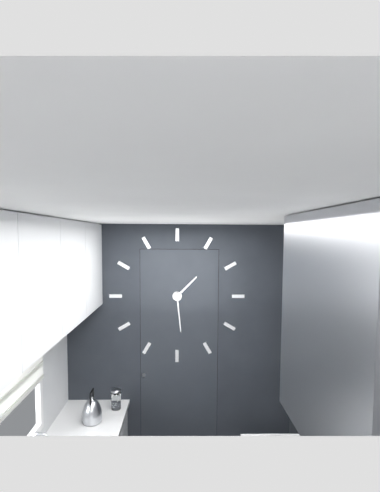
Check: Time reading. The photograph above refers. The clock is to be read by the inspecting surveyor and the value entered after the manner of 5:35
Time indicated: 1:29
